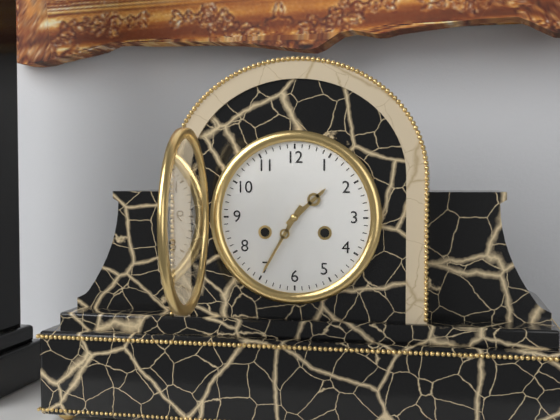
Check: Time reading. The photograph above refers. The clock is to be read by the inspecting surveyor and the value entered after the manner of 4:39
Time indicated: 1:35
